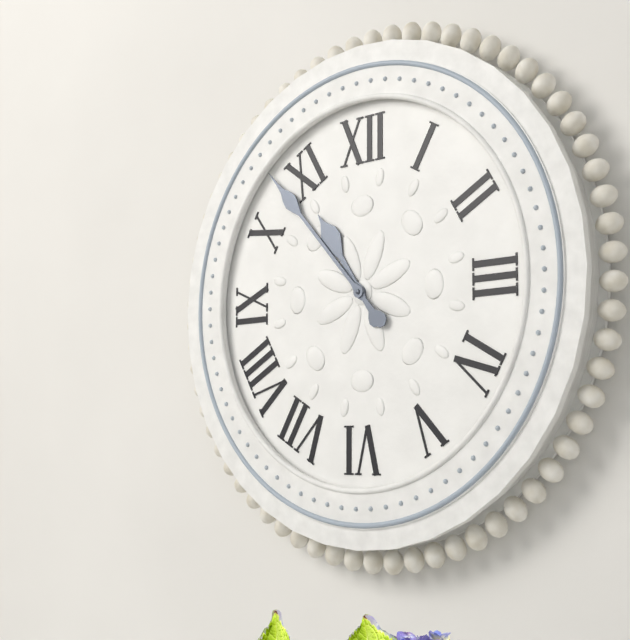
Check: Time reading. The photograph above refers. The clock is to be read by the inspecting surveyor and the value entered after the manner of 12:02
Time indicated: 10:53
